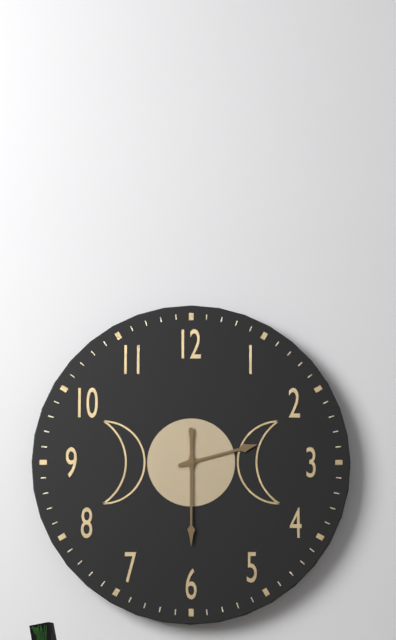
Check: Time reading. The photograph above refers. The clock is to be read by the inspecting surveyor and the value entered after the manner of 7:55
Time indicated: 2:30
